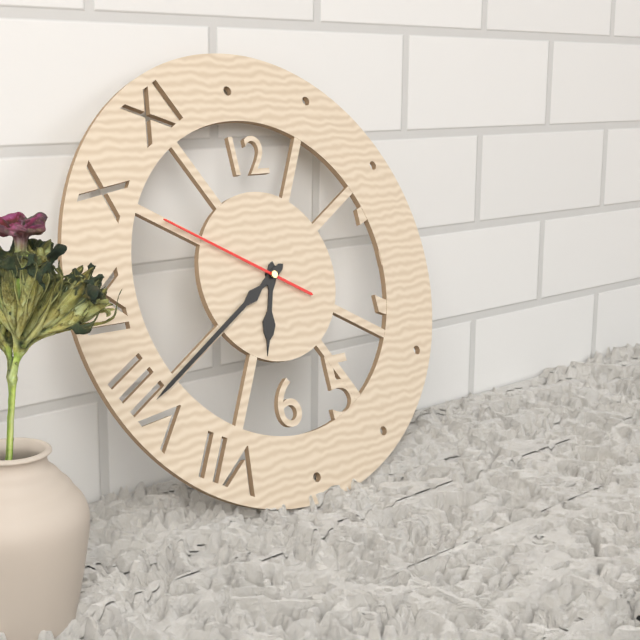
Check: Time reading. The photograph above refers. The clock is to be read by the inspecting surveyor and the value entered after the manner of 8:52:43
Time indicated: 6:40:50
